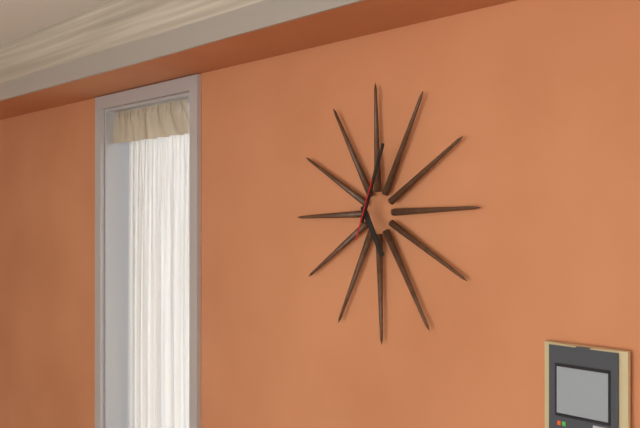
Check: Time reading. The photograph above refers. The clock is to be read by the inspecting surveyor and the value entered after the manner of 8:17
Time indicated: 5:04
